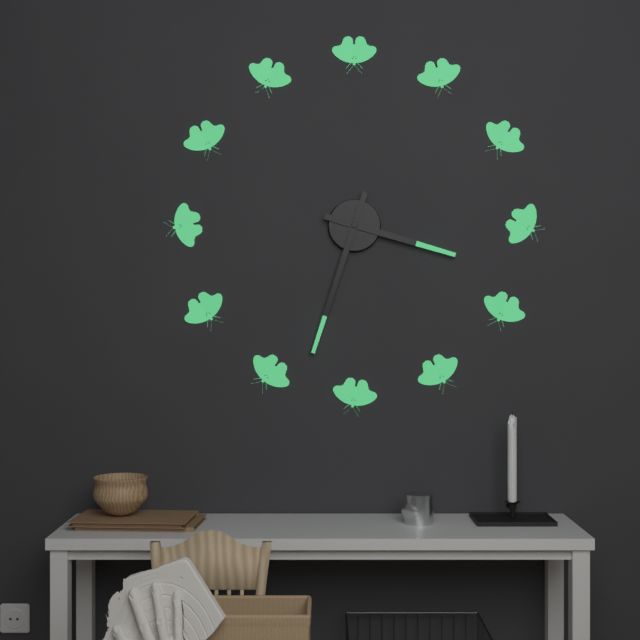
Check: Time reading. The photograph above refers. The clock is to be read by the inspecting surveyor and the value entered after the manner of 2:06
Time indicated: 3:33
